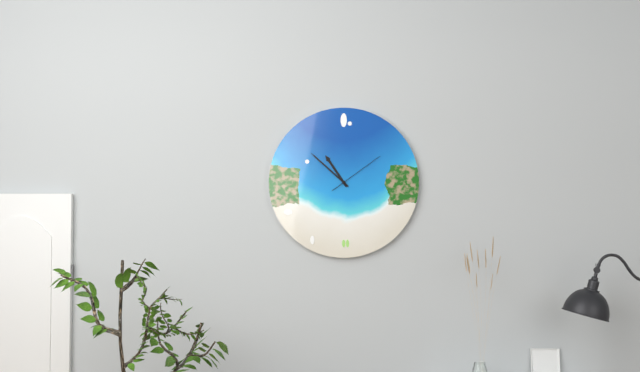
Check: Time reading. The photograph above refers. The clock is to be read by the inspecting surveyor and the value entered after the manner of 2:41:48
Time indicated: 10:52:09
